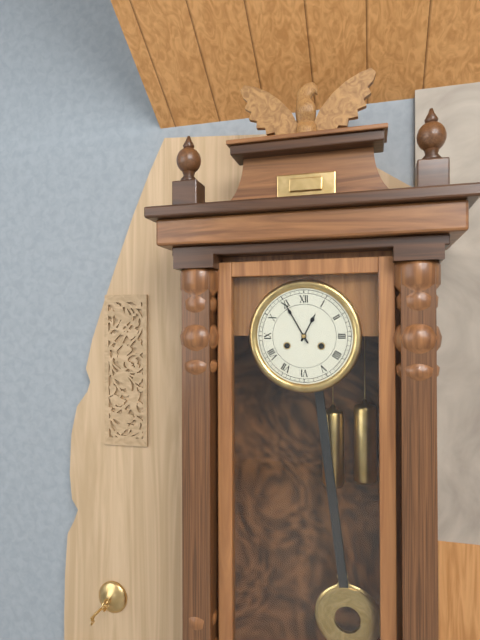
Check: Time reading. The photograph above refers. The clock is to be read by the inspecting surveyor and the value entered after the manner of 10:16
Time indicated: 12:55
